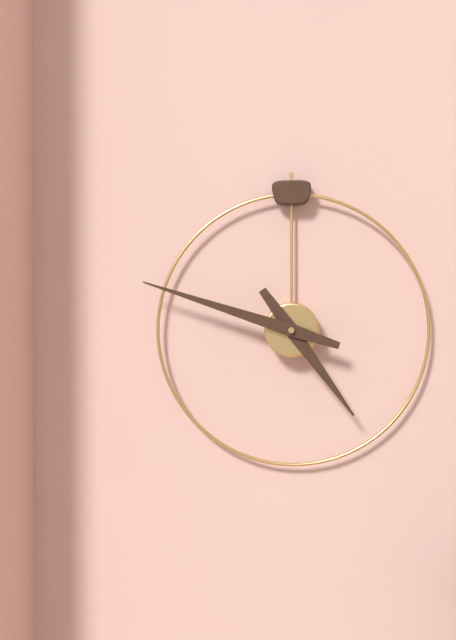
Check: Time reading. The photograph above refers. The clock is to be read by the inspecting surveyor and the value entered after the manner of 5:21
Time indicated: 4:48
